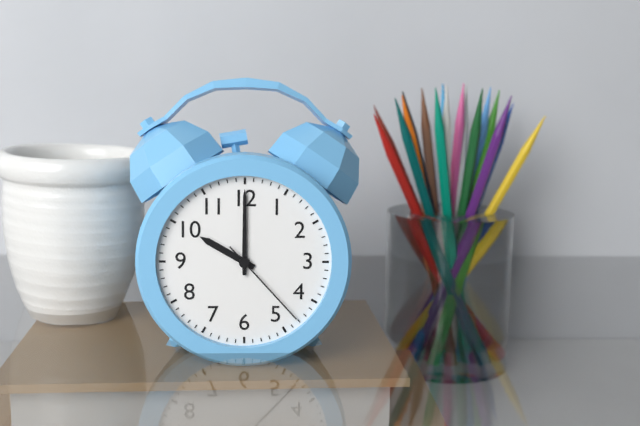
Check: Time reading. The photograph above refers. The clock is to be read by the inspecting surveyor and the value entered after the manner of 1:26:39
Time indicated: 10:00:23
